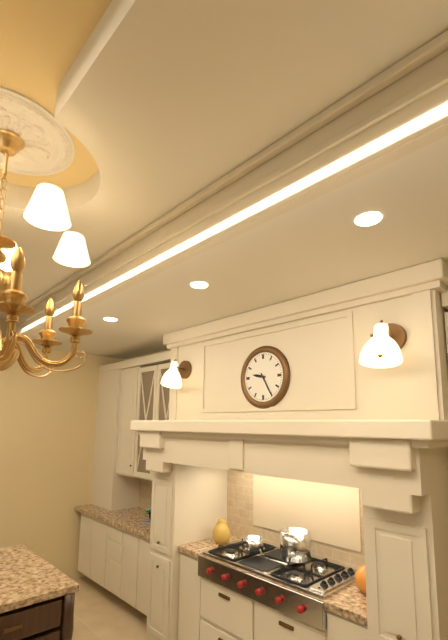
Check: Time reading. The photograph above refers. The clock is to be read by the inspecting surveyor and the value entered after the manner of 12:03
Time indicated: 9:25
